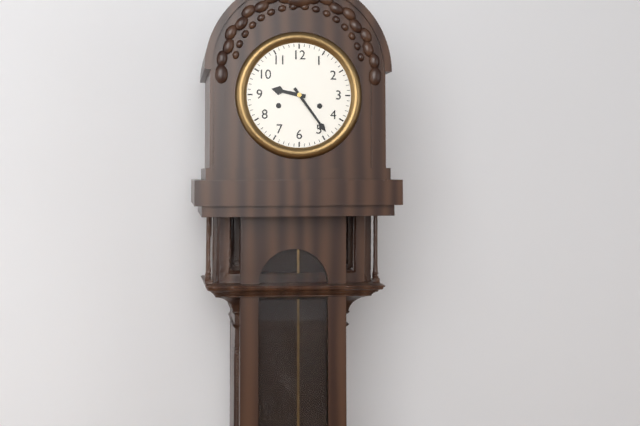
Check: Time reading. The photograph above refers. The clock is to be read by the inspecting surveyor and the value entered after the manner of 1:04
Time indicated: 9:24
